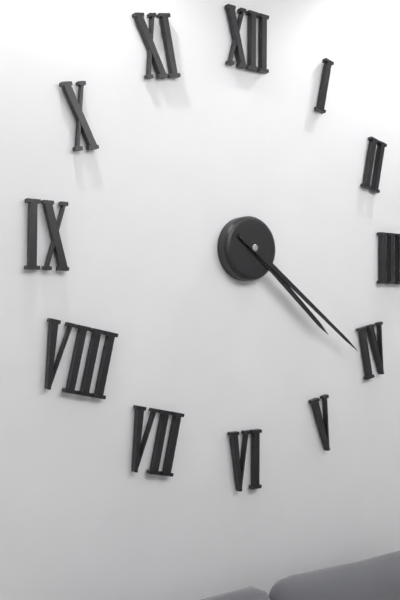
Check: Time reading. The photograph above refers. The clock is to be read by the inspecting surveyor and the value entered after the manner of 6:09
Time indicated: 4:21
